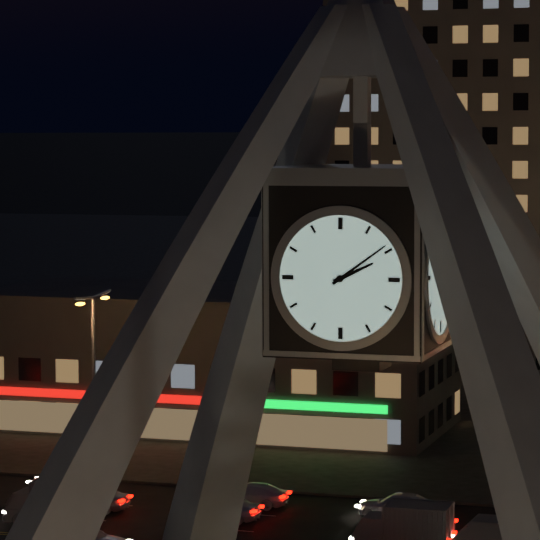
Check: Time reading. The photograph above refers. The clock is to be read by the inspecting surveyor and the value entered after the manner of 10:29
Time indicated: 2:09
